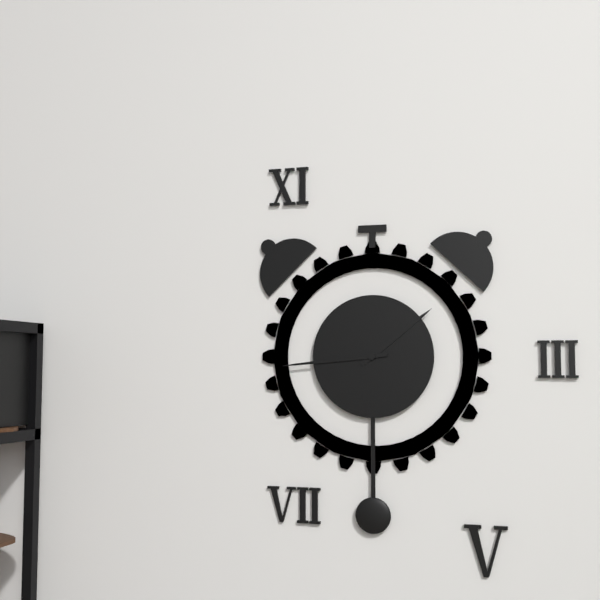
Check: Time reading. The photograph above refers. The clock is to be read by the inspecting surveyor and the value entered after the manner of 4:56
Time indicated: 1:44
